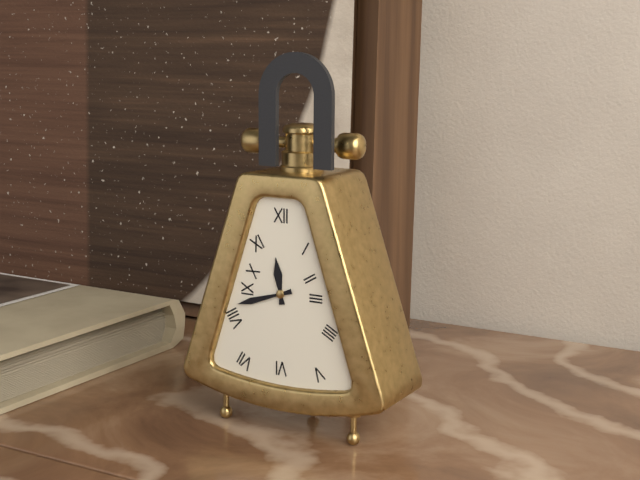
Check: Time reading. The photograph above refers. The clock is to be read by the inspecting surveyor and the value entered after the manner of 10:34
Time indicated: 11:42
